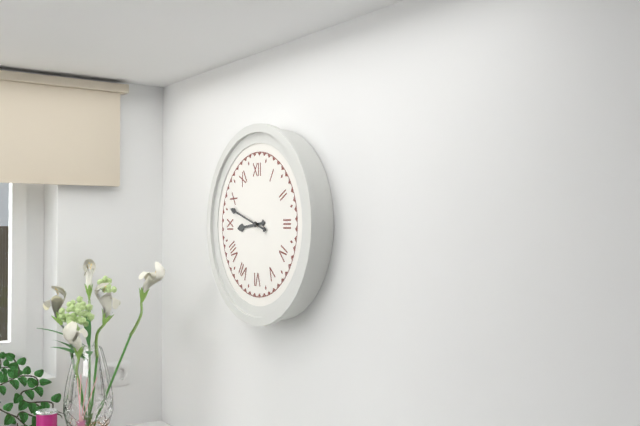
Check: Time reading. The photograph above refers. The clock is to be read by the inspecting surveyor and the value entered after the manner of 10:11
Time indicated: 8:48
